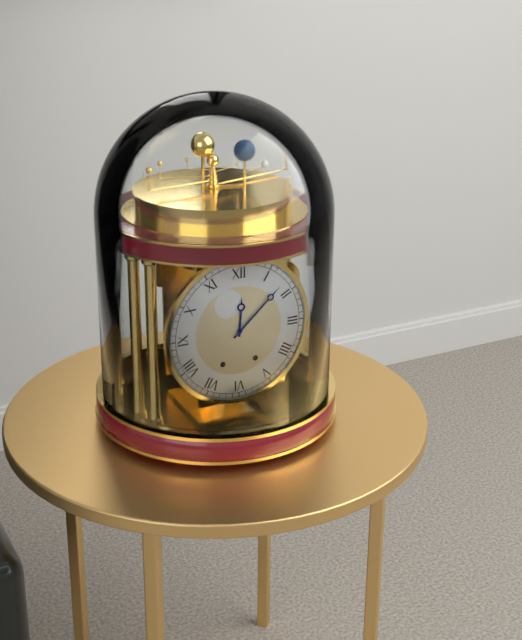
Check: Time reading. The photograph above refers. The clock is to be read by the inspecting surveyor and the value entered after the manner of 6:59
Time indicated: 12:08
